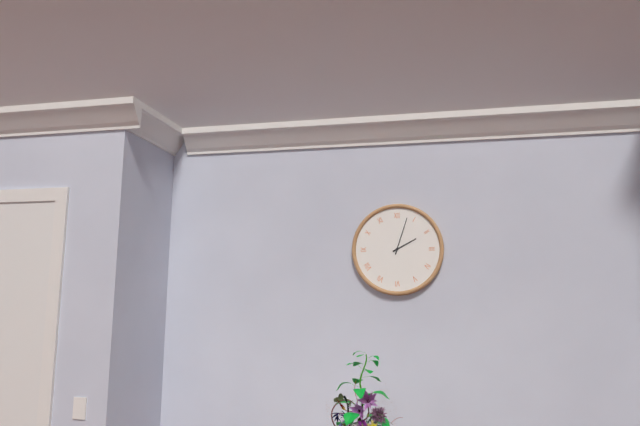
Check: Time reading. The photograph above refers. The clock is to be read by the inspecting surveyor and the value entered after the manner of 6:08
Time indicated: 2:03
